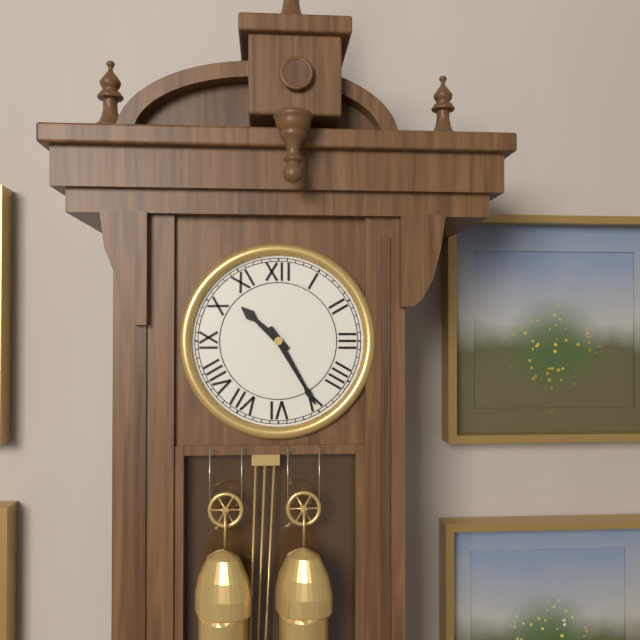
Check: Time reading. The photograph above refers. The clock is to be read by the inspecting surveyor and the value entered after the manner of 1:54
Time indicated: 10:25
